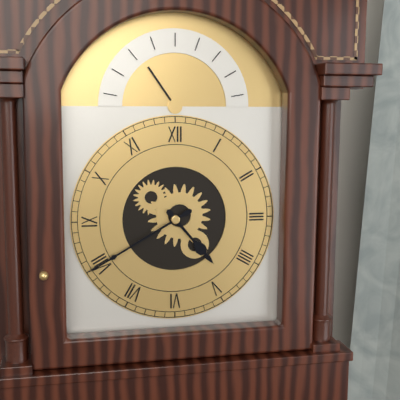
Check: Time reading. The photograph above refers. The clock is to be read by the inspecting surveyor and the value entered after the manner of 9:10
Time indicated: 4:40
